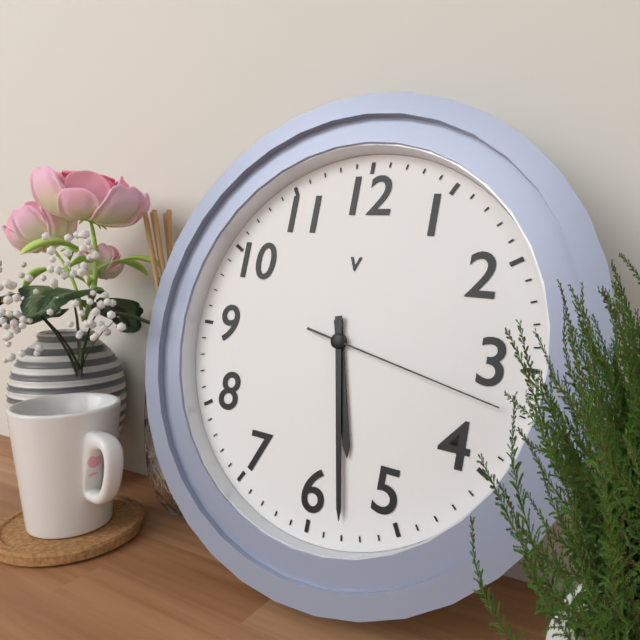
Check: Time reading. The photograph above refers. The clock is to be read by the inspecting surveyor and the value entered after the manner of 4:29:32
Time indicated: 5:28:17
